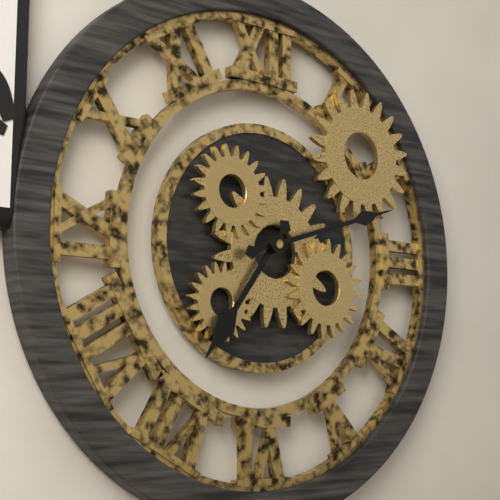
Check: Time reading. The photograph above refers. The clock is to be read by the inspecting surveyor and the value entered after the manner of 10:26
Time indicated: 7:12
